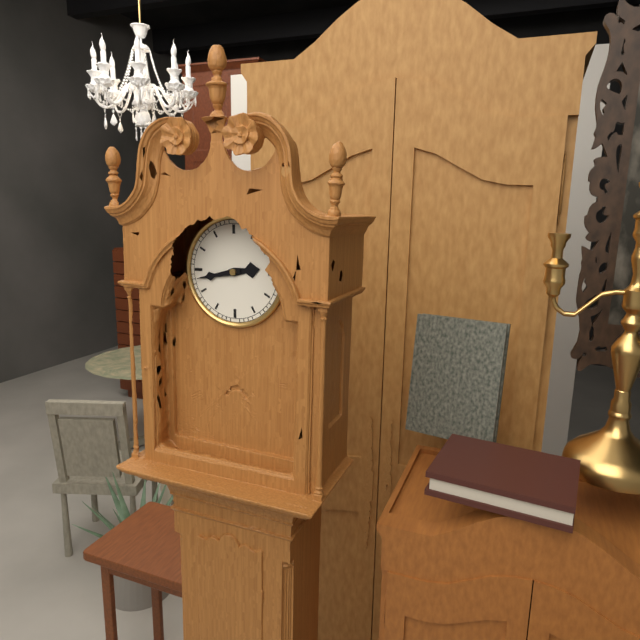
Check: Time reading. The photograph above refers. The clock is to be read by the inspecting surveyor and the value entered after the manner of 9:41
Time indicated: 2:43
